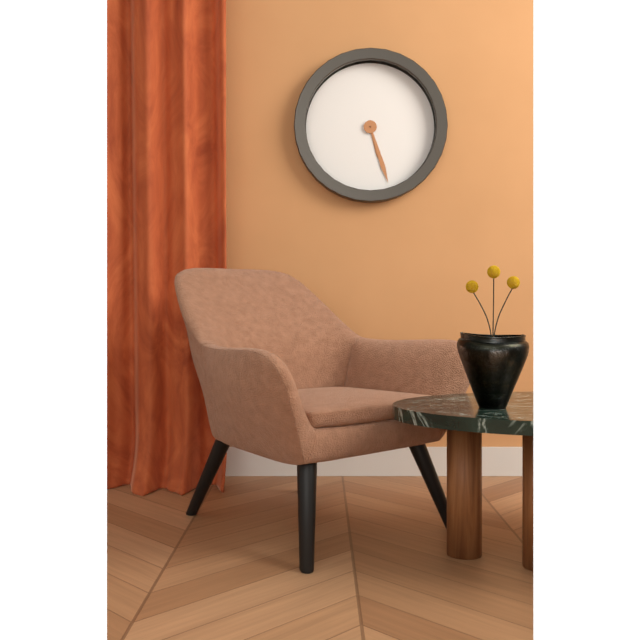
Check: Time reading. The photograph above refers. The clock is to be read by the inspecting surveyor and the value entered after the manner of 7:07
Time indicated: 5:27
